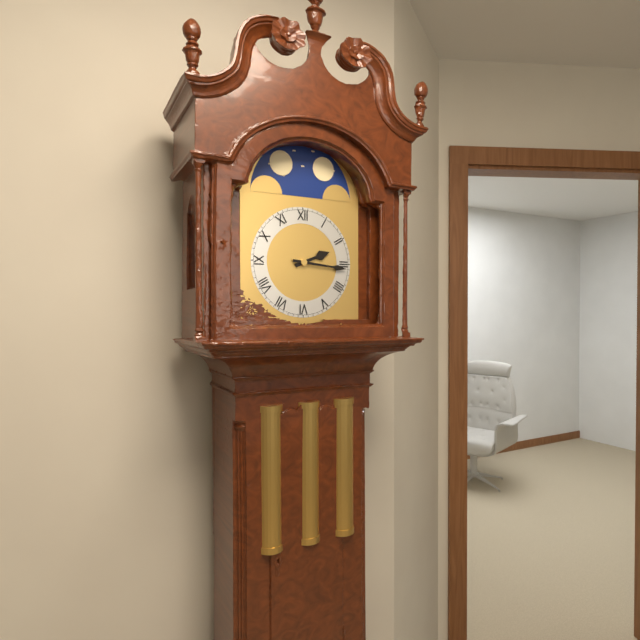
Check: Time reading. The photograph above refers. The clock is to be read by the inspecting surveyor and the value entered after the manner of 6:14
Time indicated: 2:16
